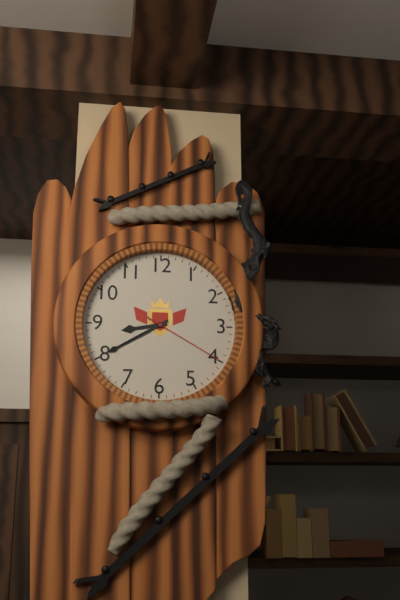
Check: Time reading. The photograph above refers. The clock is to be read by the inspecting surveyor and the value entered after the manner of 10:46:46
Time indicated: 8:40:20
